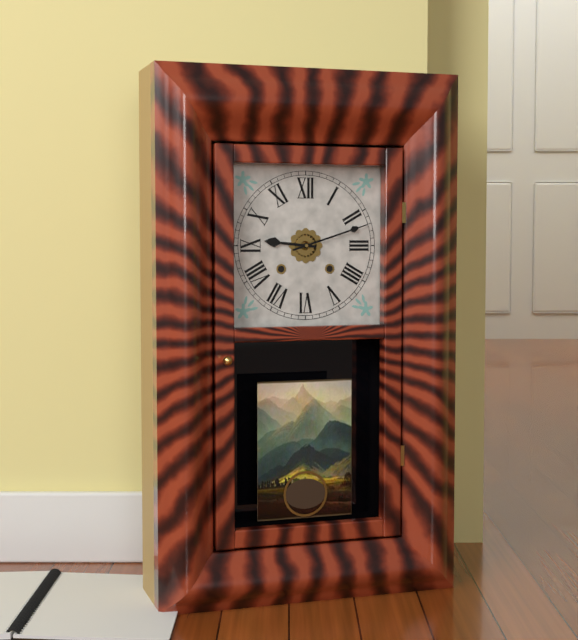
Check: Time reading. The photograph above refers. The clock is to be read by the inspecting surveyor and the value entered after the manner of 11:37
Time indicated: 9:12
